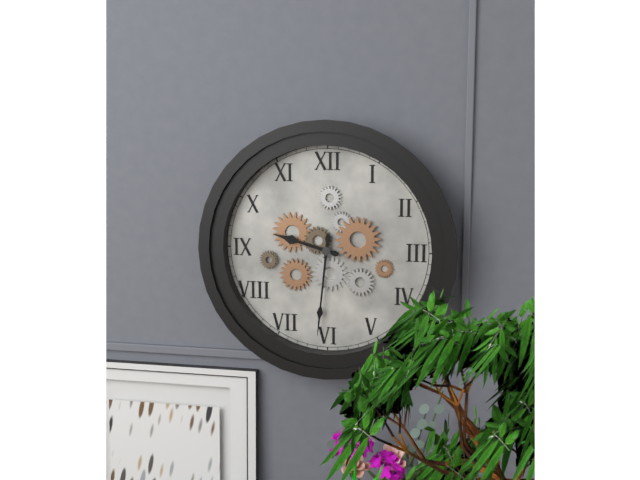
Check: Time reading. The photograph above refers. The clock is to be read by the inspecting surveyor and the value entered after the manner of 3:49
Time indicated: 9:31
